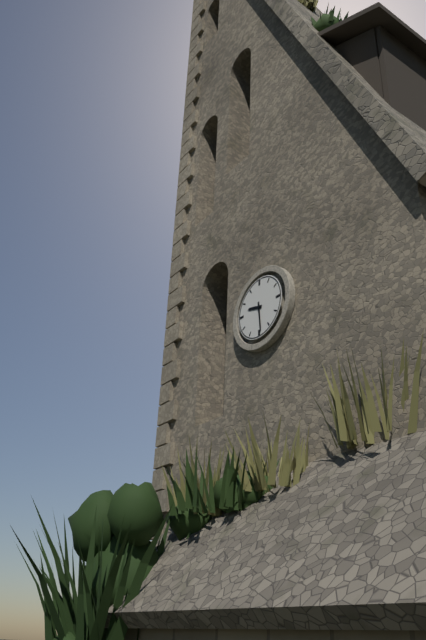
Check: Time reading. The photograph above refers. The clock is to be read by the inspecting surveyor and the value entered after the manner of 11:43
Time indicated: 9:29
